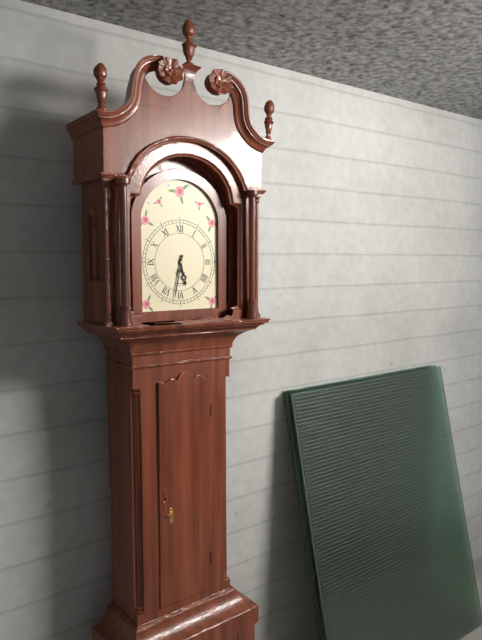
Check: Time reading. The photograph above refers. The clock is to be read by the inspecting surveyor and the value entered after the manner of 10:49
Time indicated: 5:32
